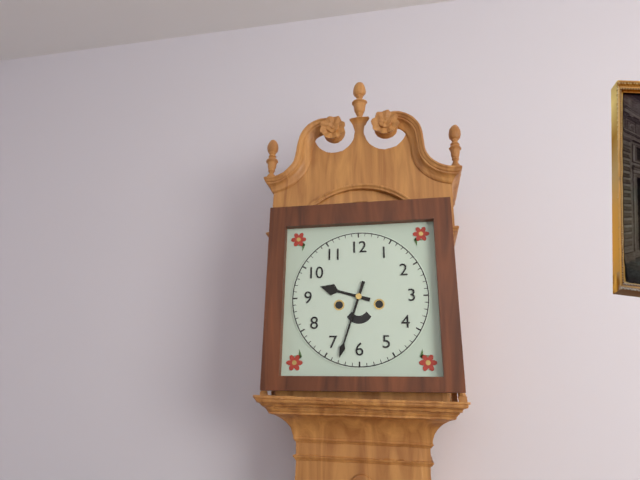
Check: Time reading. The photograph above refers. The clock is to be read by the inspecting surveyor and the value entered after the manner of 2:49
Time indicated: 9:33
